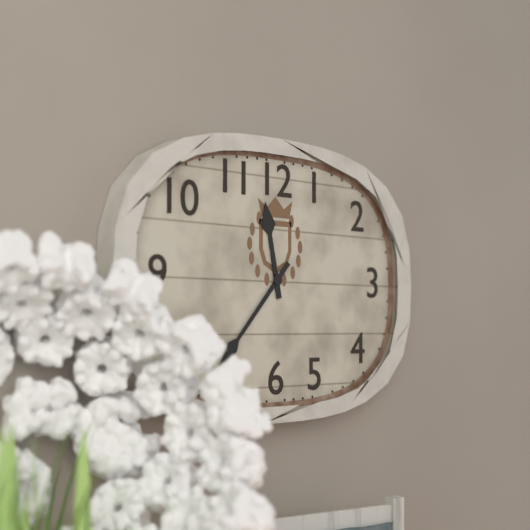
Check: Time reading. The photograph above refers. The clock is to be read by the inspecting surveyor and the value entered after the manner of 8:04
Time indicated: 11:37
